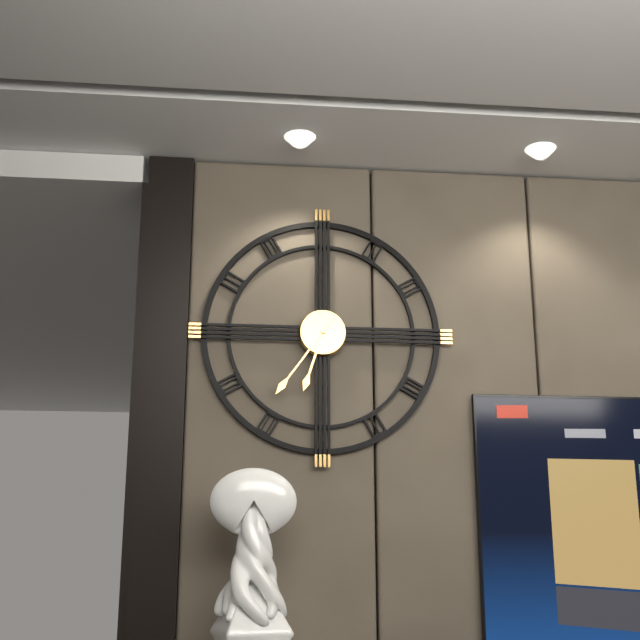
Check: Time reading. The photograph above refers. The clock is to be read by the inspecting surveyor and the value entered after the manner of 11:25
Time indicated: 6:36
